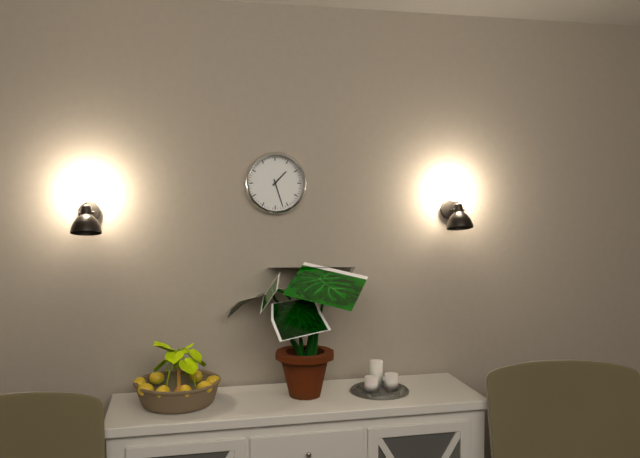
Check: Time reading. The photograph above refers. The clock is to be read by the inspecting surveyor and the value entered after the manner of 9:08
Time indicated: 1:27
